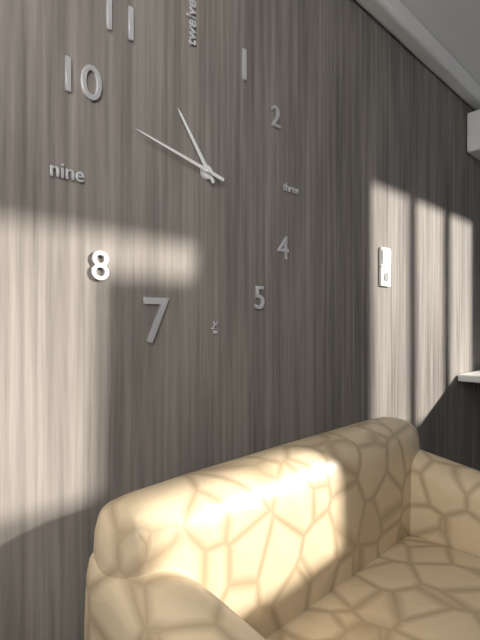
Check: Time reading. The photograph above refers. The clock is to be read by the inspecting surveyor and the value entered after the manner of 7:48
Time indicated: 10:47
